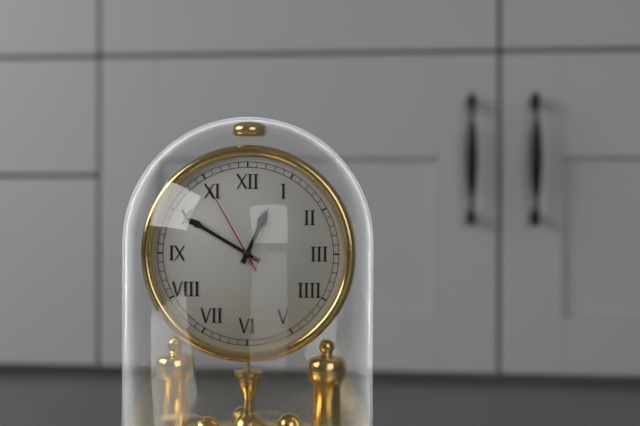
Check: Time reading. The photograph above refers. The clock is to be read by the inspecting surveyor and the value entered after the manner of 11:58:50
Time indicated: 12:50:55
